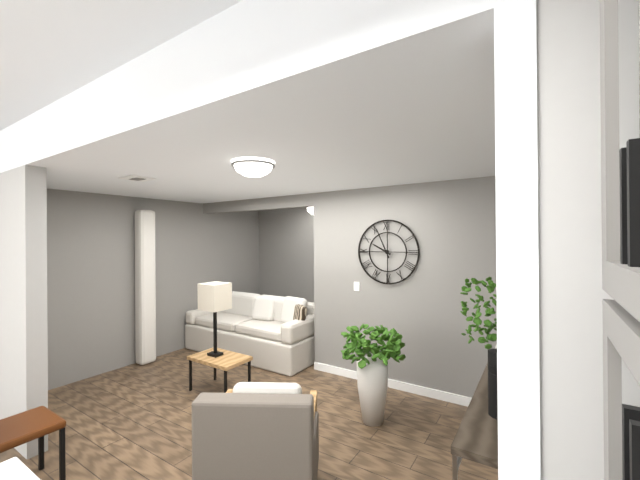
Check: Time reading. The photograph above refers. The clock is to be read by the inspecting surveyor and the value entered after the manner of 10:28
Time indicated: 9:56
